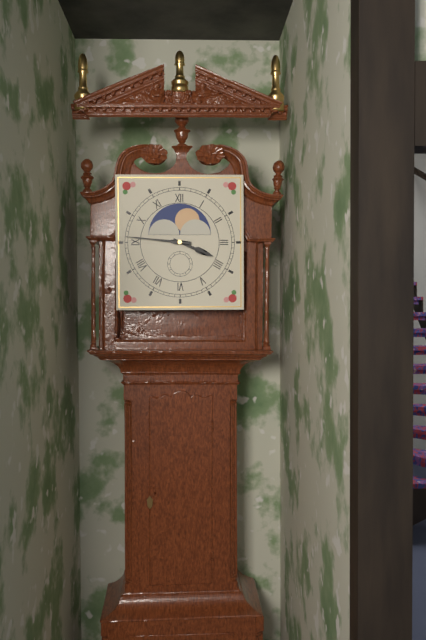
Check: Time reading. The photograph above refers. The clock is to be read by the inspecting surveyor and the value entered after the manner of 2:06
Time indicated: 3:46
